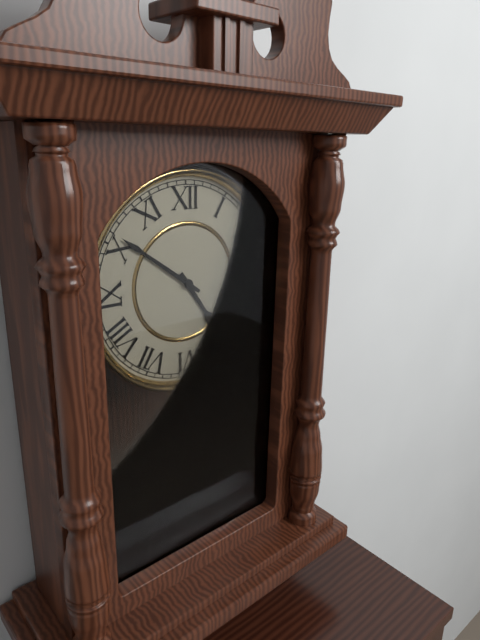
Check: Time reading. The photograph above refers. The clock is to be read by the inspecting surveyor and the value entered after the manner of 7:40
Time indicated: 4:51
